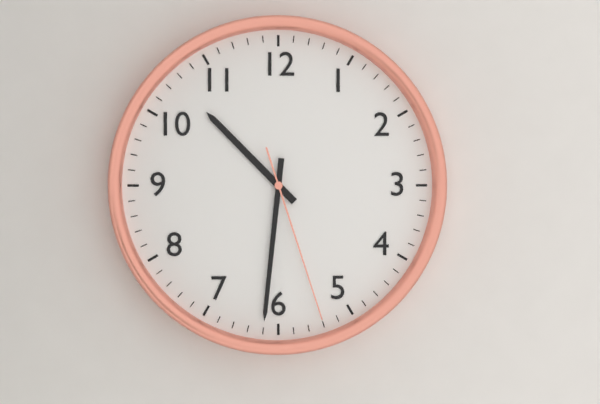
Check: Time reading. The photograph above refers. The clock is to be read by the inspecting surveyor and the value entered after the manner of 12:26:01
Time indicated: 10:31:27
